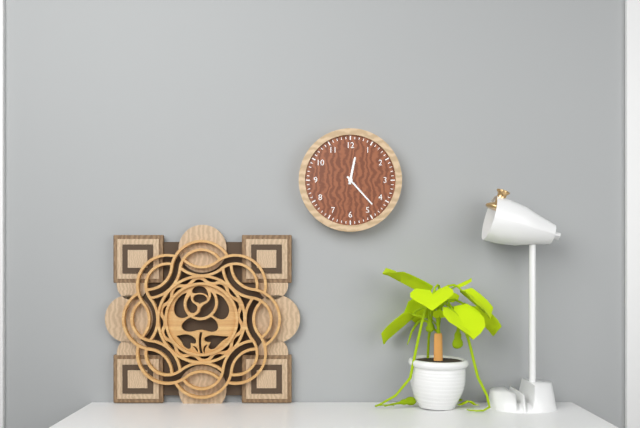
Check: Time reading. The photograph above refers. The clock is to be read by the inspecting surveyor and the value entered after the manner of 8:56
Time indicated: 12:23
